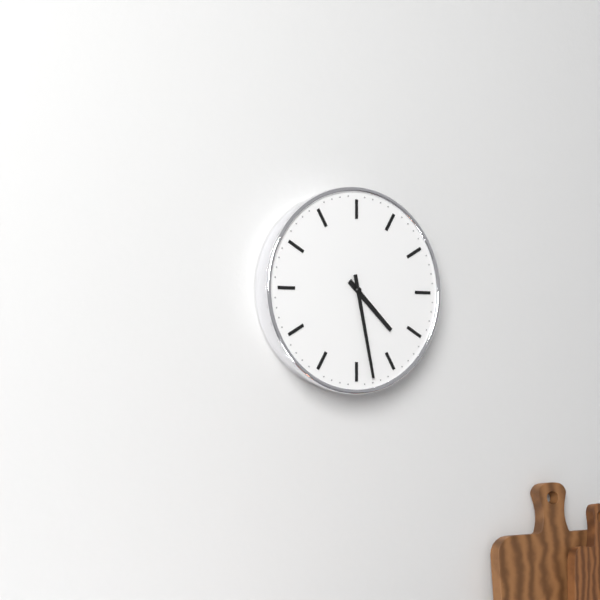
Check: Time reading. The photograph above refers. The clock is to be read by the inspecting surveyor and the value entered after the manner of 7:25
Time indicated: 4:28
